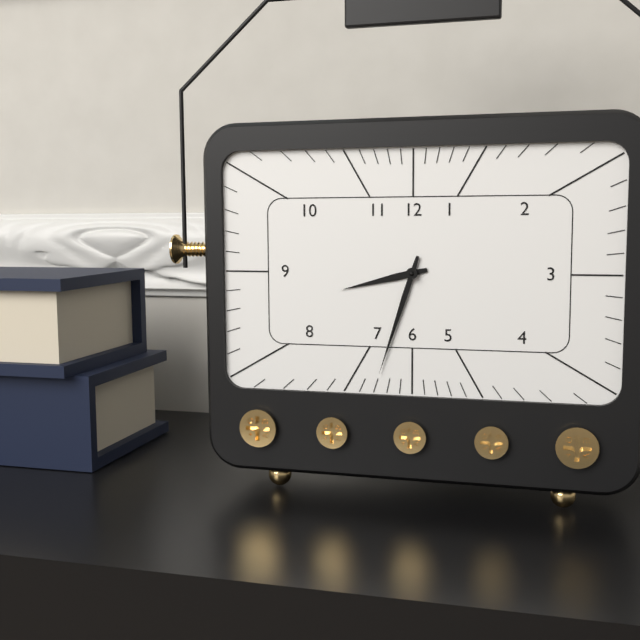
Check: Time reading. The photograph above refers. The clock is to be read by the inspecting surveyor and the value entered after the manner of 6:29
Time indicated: 8:33
